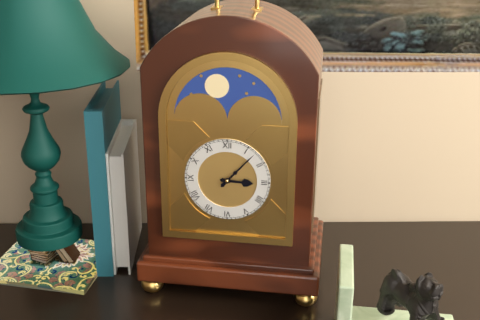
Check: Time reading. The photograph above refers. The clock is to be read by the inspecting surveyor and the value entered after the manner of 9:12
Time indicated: 3:07
